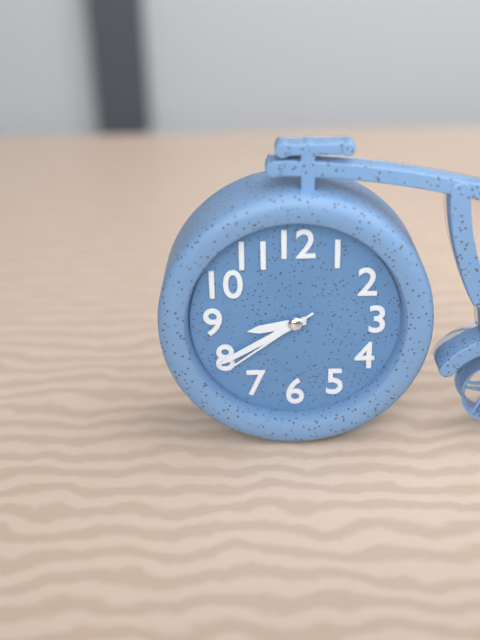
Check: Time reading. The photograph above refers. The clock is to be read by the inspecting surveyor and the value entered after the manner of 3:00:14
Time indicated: 8:40:39
